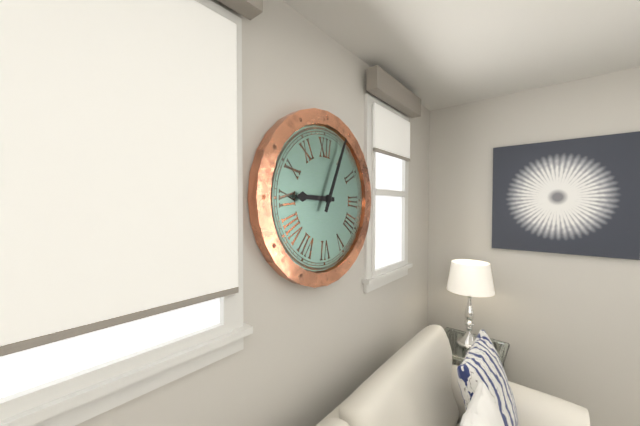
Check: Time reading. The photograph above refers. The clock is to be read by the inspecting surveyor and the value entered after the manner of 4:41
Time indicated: 9:04
